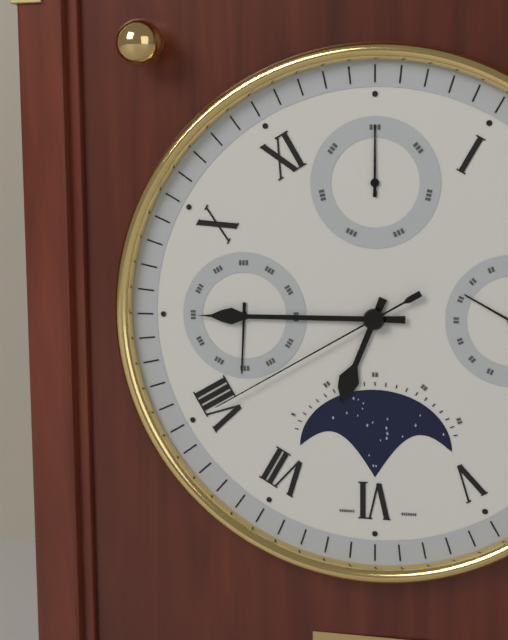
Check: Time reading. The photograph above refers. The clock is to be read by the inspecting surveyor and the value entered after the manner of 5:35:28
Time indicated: 6:45:40
